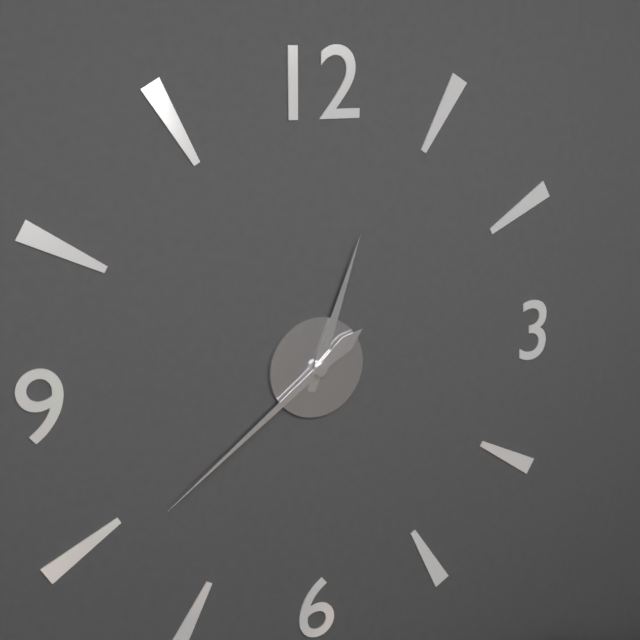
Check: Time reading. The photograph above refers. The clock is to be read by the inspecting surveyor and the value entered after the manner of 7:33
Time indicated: 12:39
